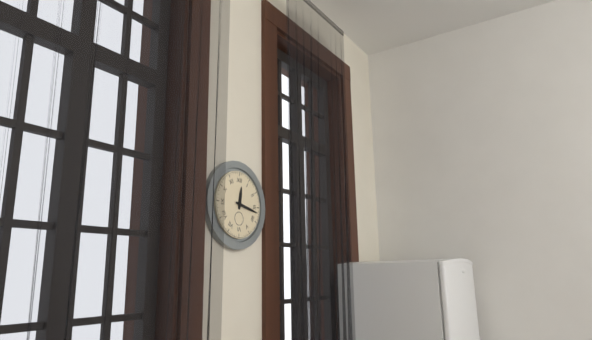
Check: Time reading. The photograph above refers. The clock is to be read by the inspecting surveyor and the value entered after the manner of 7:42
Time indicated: 12:17
